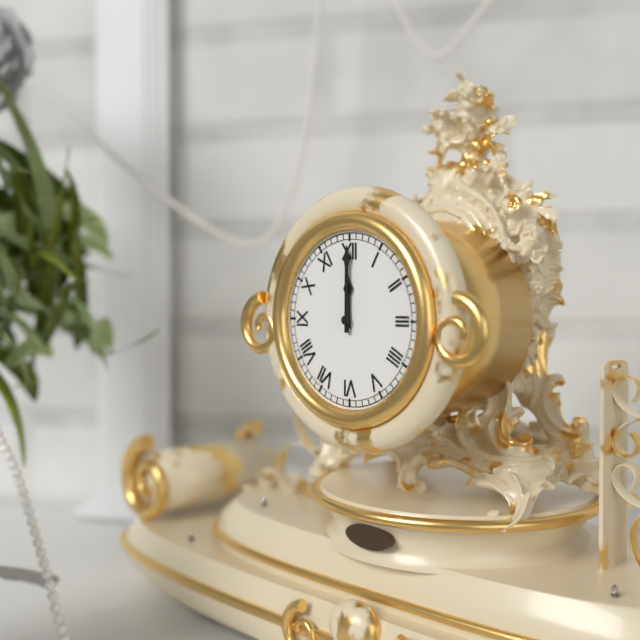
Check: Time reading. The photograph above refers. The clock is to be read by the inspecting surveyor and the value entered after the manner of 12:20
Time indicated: 12:00
